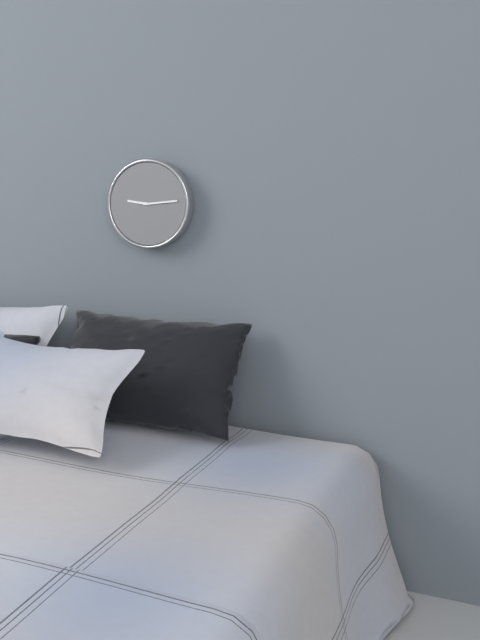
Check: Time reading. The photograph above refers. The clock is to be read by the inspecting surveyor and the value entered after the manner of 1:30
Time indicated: 9:14
